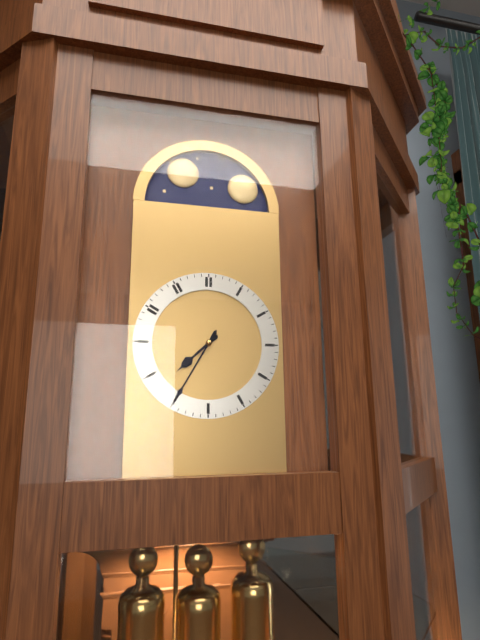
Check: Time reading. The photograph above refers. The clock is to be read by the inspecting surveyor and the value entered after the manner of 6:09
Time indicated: 7:35
